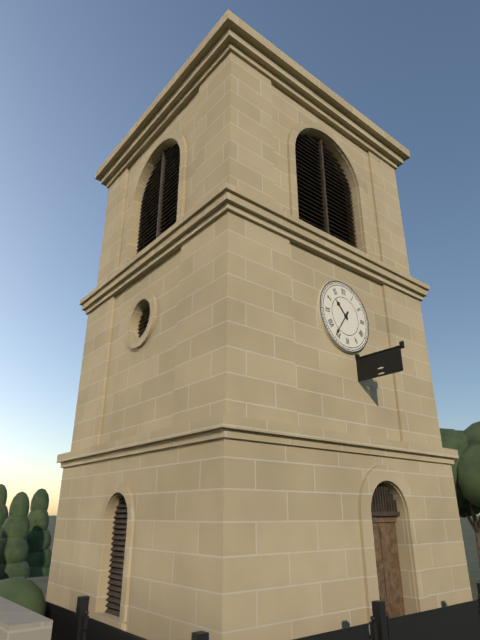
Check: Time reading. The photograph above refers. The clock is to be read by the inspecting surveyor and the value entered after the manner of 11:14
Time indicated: 10:36
